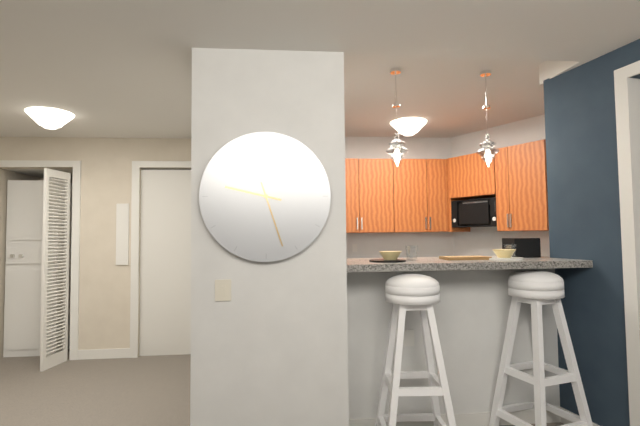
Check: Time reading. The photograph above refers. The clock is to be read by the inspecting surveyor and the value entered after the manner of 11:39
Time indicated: 9:27
